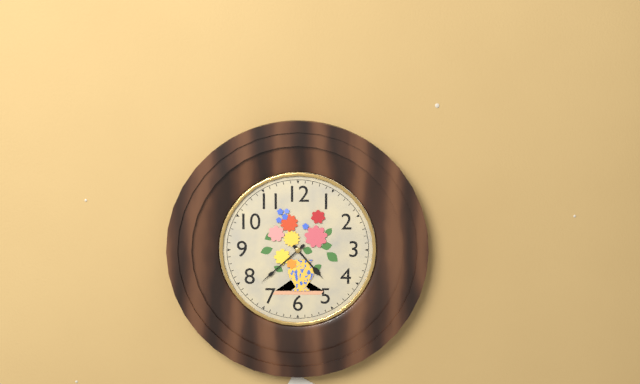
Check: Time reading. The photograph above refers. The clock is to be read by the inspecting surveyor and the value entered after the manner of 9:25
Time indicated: 4:38
